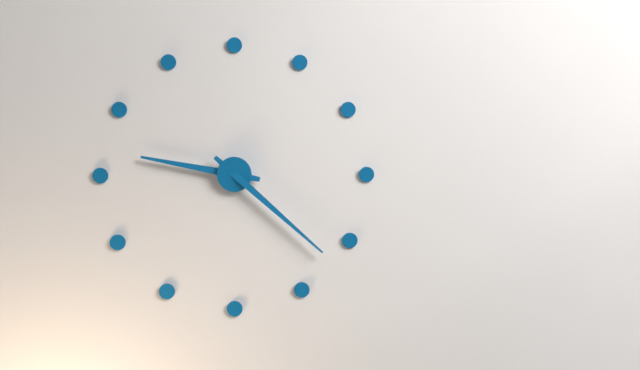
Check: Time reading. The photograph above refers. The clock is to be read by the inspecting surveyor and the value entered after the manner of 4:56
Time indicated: 9:22
